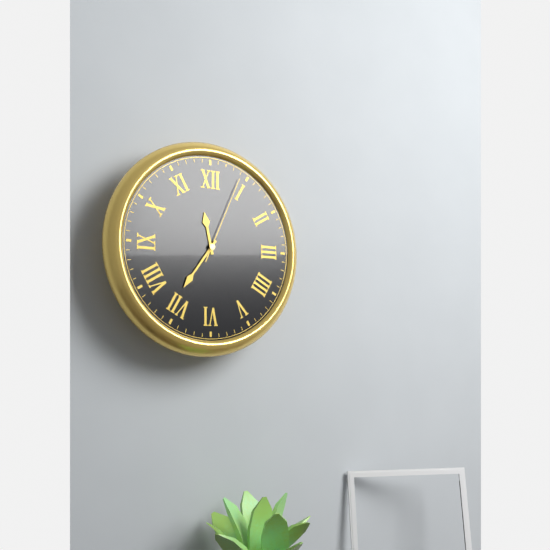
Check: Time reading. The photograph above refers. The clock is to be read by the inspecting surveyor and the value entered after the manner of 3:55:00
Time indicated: 11:36:04
